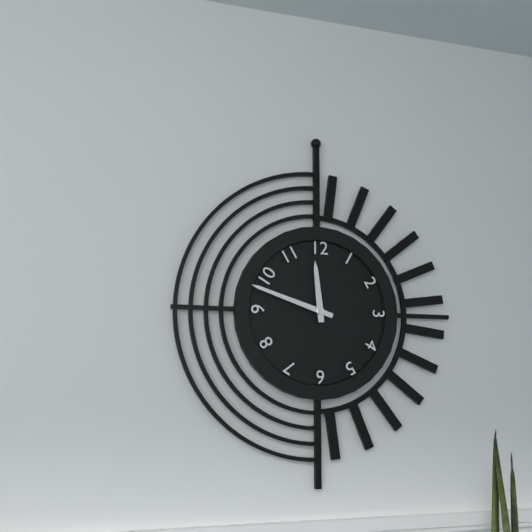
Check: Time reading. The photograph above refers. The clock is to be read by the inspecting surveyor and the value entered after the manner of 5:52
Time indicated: 11:48
